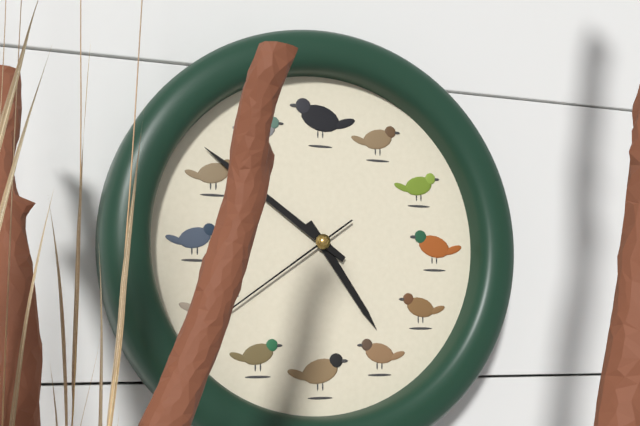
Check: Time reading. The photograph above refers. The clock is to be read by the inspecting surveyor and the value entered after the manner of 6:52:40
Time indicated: 4:51:39
